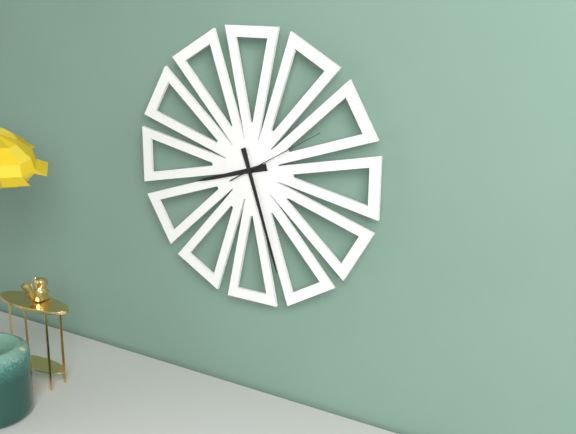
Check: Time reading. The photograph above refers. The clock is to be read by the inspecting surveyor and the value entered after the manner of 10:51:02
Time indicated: 8:27:10
